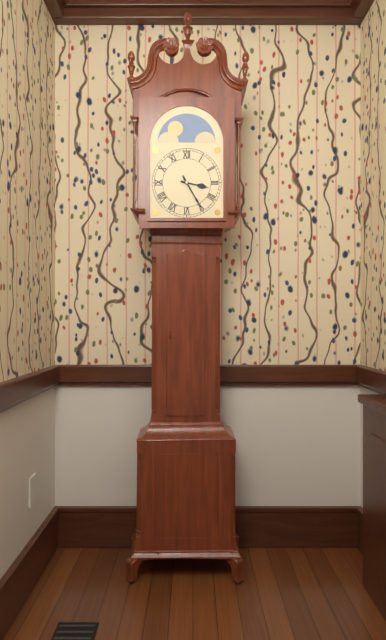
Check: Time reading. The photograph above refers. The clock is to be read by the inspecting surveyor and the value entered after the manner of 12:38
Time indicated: 3:25
